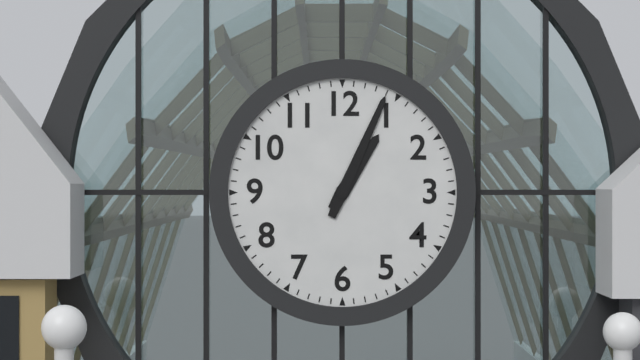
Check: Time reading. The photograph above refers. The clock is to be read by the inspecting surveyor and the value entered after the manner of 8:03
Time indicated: 1:04
